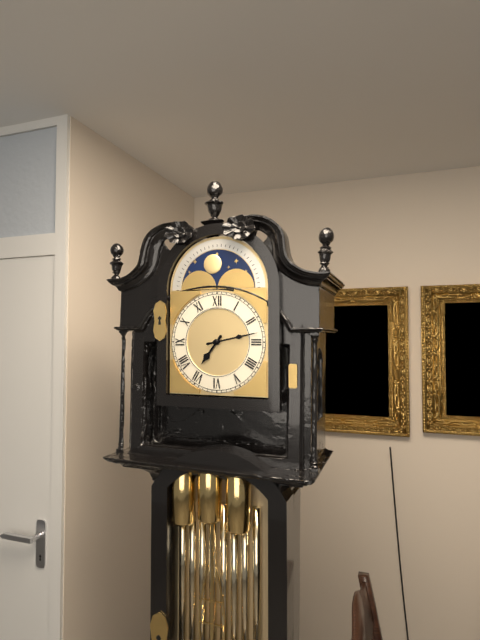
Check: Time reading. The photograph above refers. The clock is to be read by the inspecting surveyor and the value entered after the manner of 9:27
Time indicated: 7:13
